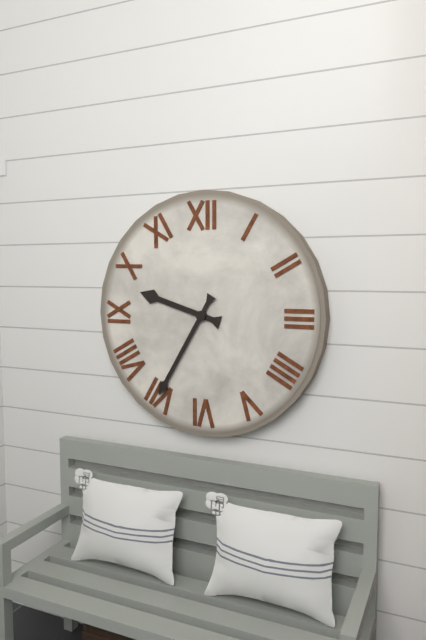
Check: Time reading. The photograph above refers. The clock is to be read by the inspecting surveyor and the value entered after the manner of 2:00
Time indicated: 9:35
